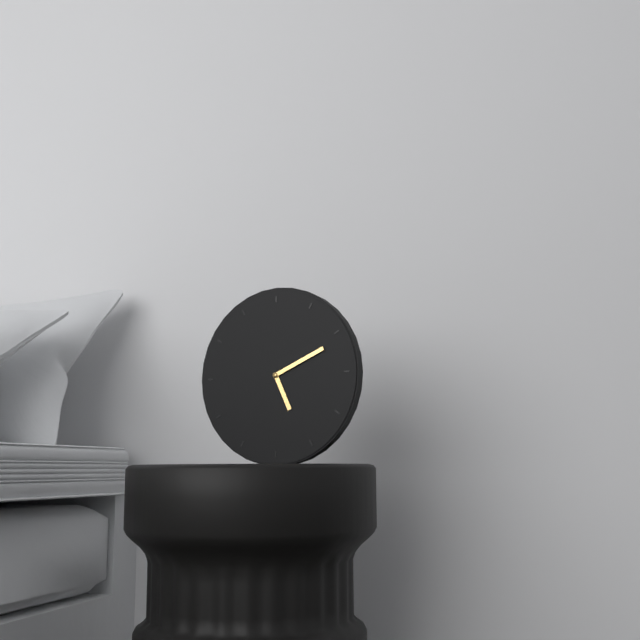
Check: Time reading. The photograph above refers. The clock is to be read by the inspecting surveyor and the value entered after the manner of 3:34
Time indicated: 5:11
